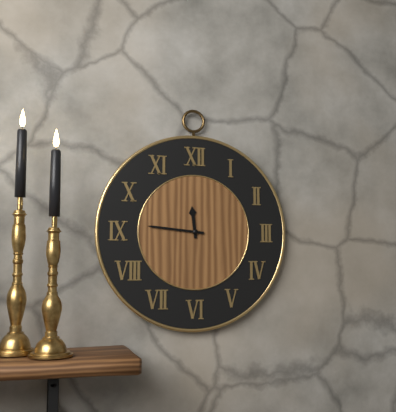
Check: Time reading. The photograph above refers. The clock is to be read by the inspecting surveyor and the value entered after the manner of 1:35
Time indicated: 11:46
